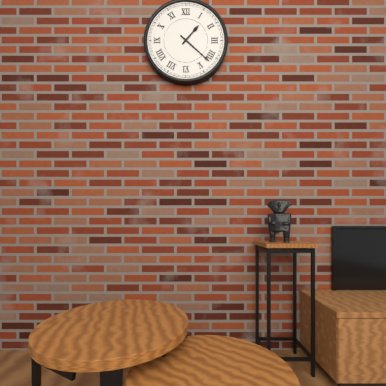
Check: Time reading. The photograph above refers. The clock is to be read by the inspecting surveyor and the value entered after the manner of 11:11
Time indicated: 1:22
